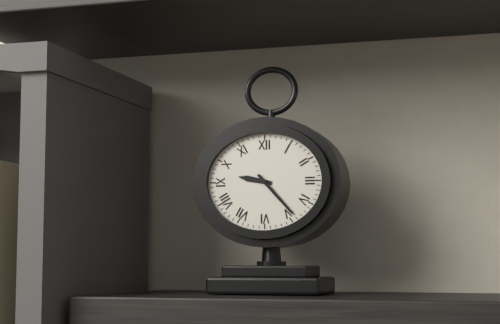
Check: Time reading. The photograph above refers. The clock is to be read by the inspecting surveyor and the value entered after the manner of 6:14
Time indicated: 9:23
